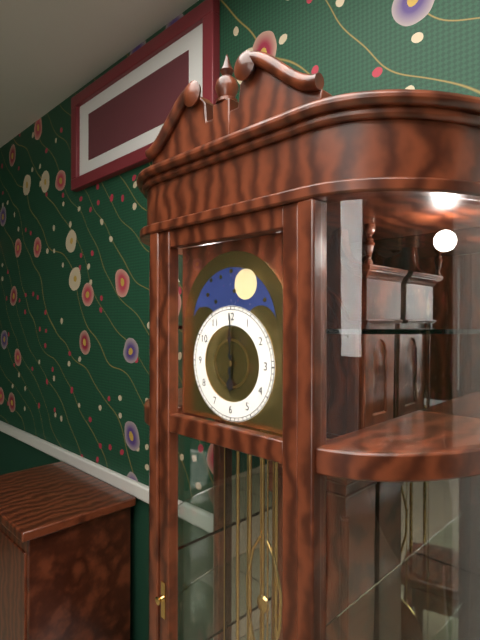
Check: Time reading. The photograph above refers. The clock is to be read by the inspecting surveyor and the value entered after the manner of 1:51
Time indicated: 6:00
